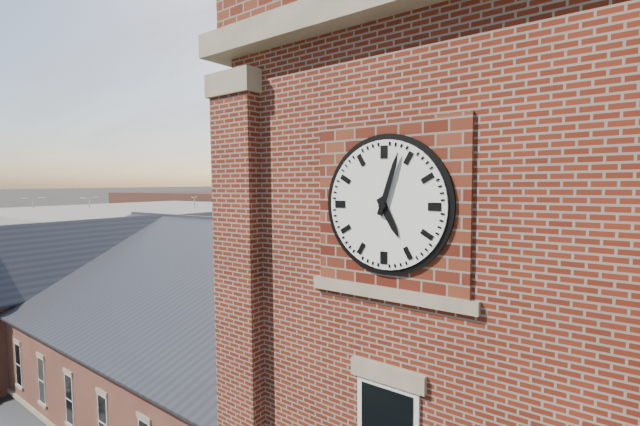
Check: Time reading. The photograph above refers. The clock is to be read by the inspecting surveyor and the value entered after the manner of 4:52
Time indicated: 5:03
